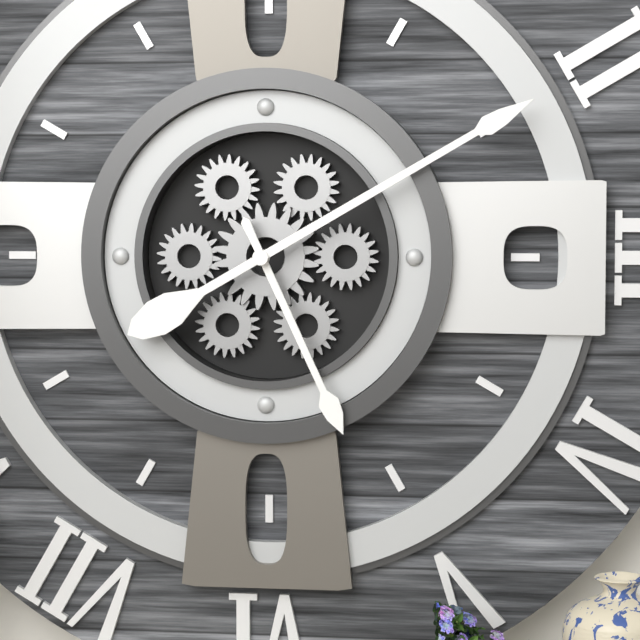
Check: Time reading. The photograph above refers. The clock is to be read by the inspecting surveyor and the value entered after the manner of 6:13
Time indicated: 5:10
